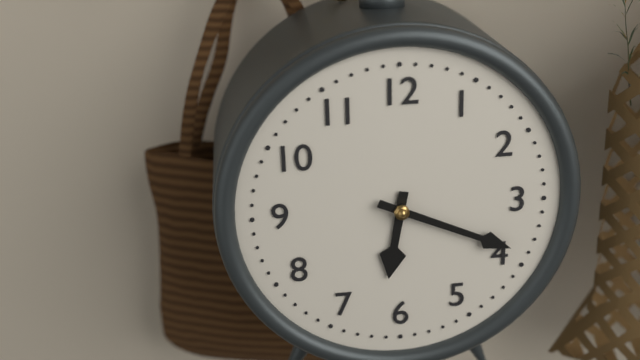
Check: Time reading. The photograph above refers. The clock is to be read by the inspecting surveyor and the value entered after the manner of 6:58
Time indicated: 6:19
